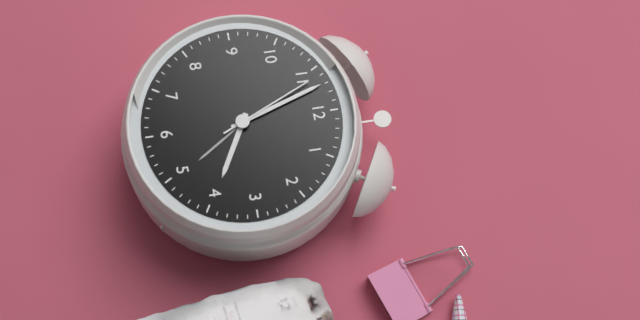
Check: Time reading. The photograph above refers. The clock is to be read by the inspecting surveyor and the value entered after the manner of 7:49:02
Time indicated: 3:57:56
